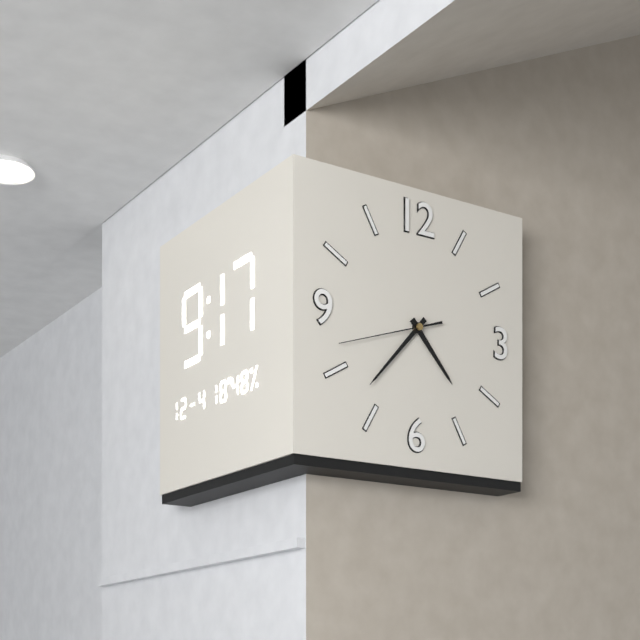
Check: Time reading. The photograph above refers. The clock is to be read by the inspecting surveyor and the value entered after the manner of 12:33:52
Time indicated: 4:37:42
